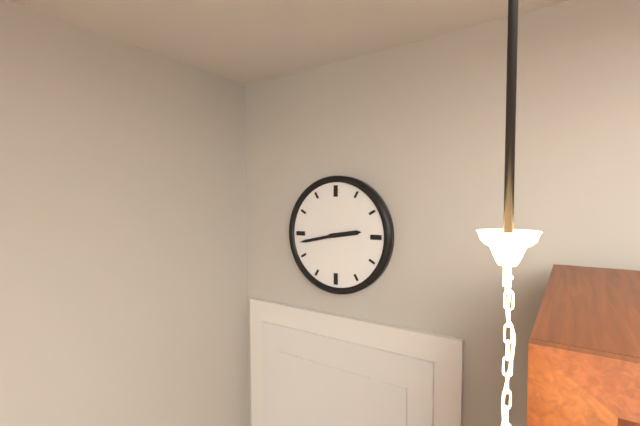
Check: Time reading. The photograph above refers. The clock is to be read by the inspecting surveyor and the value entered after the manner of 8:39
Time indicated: 2:43
